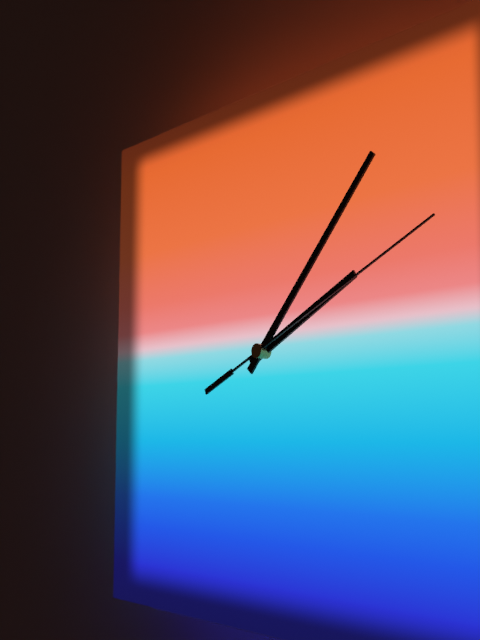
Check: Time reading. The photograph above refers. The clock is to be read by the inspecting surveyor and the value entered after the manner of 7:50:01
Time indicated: 2:07:11
